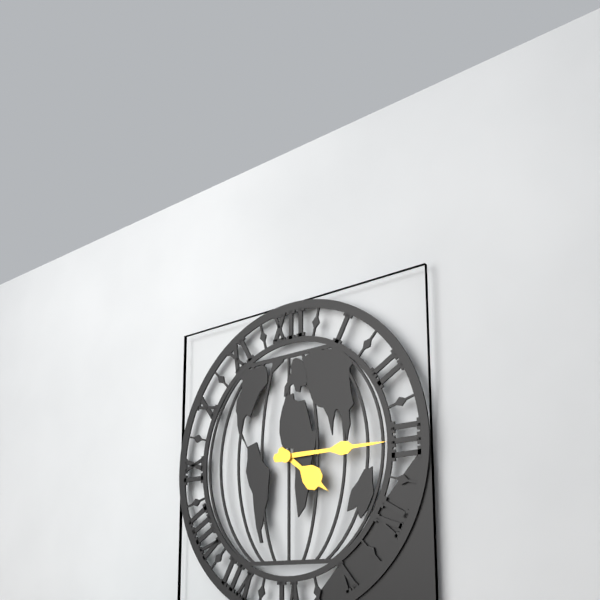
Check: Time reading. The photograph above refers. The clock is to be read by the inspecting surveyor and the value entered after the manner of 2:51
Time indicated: 4:15
